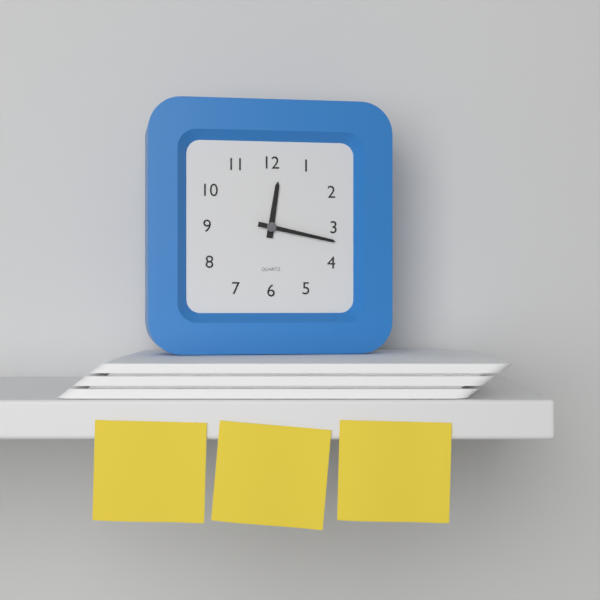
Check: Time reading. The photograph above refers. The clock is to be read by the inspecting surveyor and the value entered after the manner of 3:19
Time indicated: 12:17
